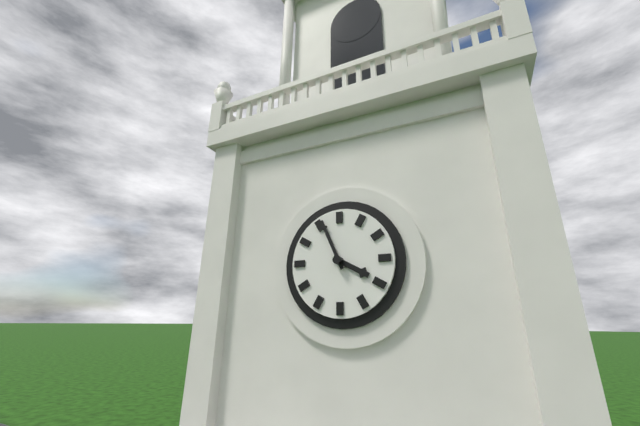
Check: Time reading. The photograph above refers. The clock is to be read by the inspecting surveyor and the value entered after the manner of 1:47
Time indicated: 3:56
